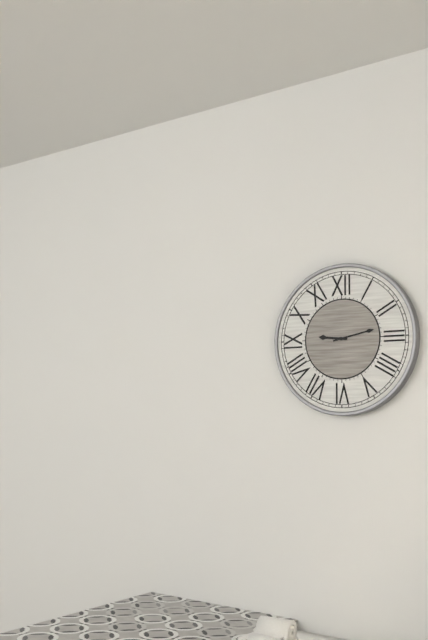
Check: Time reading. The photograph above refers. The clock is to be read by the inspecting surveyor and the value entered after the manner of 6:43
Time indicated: 9:13
